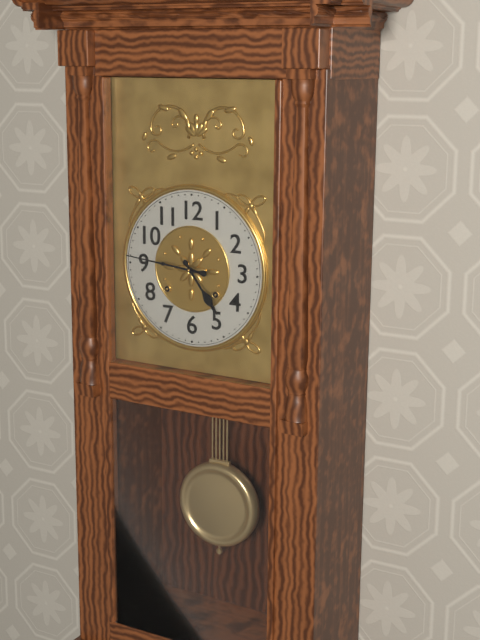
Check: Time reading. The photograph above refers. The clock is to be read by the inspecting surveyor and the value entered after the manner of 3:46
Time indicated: 4:46
